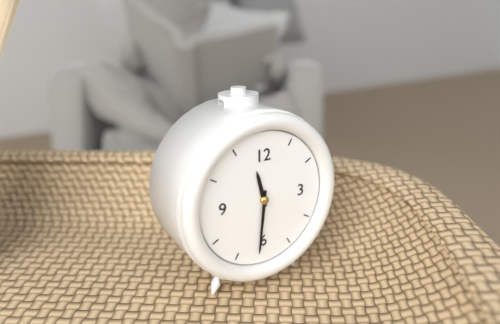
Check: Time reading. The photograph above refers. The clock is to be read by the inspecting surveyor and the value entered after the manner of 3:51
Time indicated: 11:31
